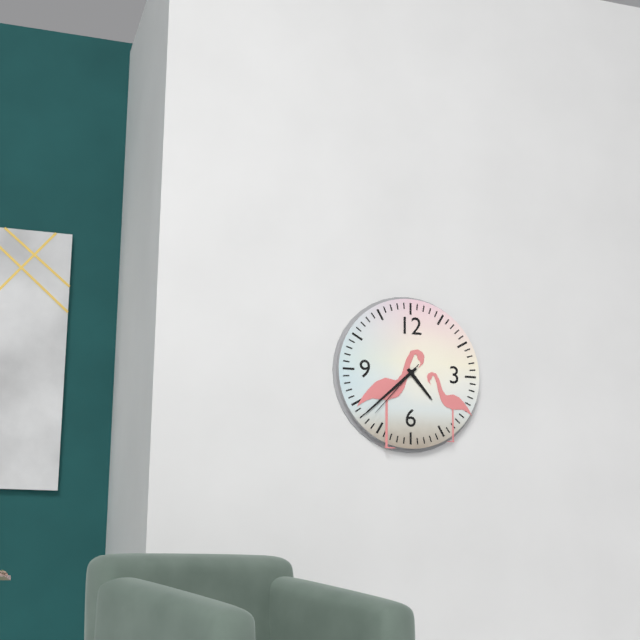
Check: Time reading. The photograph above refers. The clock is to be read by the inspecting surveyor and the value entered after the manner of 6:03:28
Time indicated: 4:38:37
